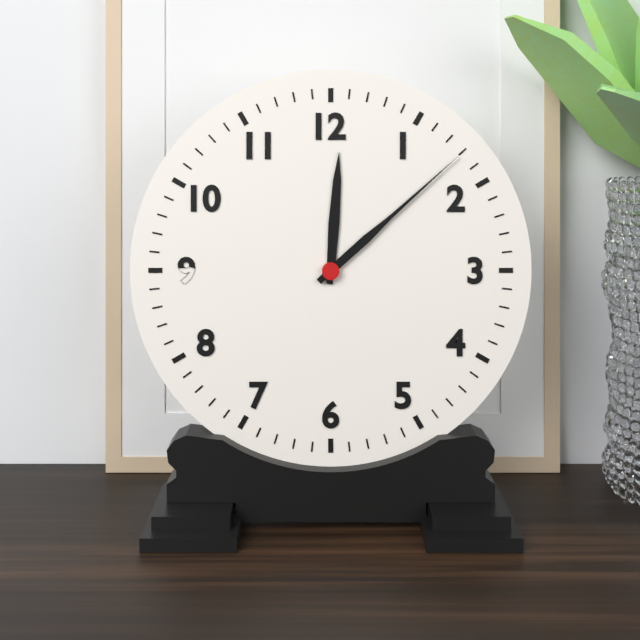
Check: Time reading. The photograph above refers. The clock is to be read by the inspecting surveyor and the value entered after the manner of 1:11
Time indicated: 12:08
